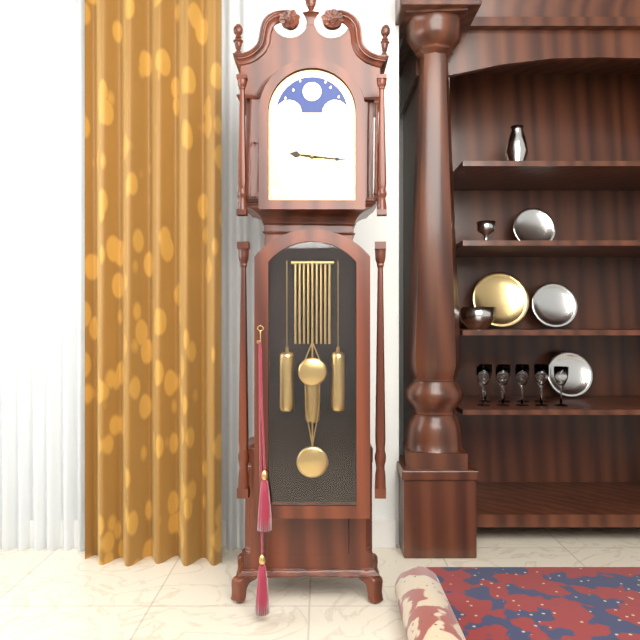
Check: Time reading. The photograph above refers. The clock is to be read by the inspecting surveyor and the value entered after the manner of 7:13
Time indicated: 9:16
